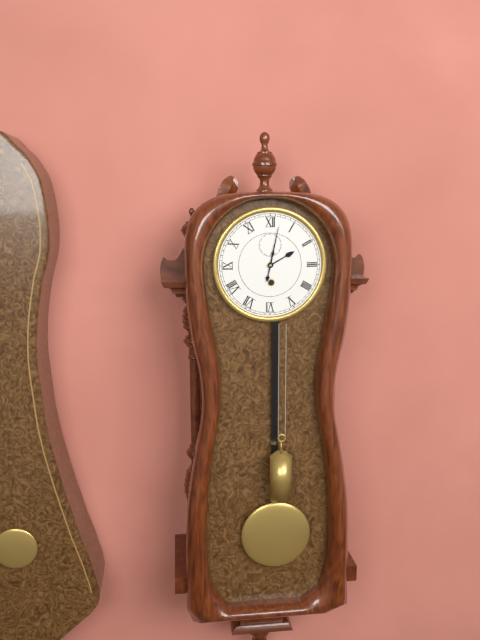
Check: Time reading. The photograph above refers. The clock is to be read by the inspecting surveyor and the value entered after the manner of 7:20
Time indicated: 2:02
